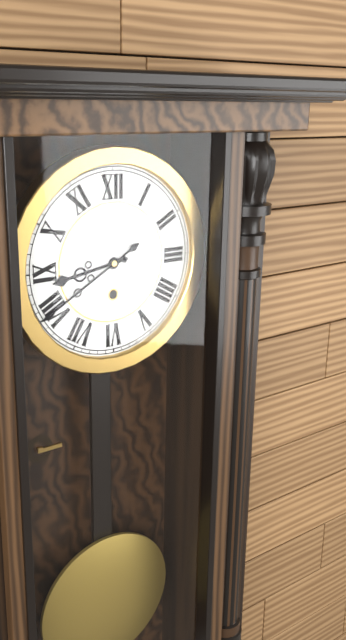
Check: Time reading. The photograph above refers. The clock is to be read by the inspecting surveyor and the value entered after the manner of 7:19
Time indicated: 8:40
